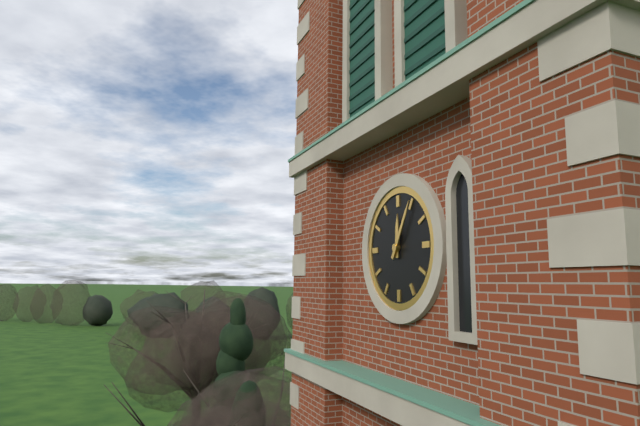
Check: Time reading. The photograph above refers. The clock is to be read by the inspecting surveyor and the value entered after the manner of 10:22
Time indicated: 12:05
